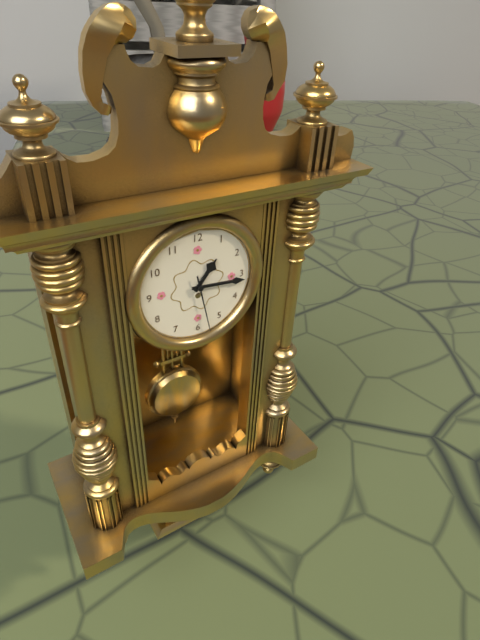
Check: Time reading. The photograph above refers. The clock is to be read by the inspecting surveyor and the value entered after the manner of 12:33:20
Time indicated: 1:16:28
